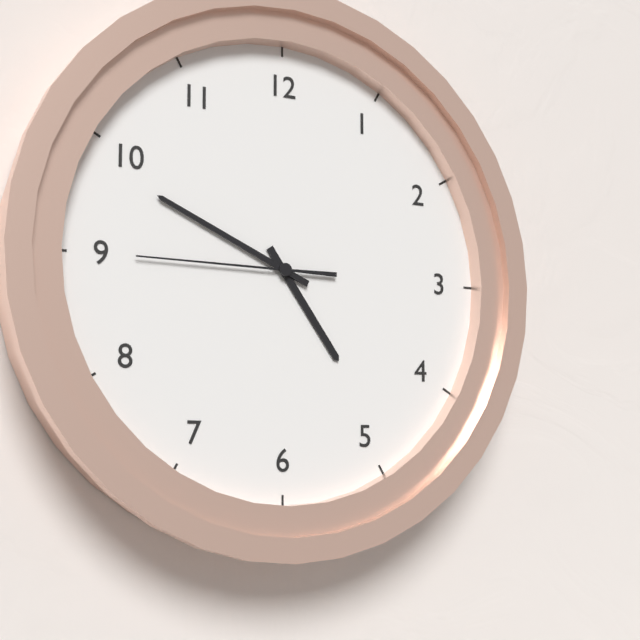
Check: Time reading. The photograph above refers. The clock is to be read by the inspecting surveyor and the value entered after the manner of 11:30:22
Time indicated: 4:49:45
